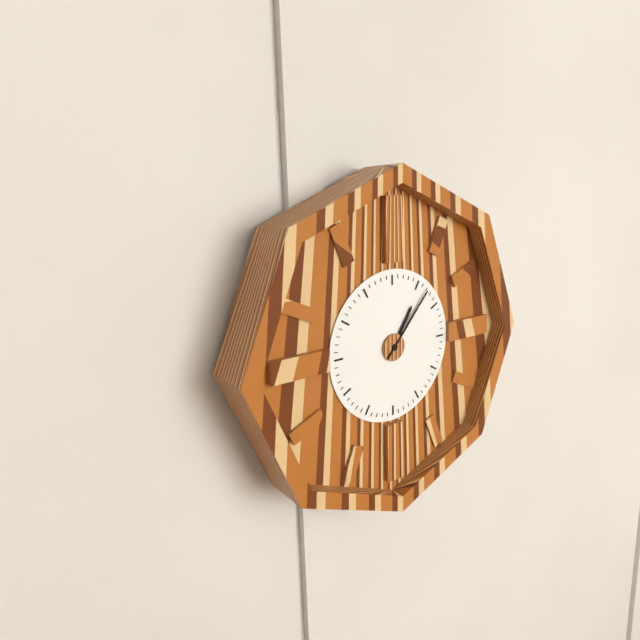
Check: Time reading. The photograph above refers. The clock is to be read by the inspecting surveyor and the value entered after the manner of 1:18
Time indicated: 1:07
